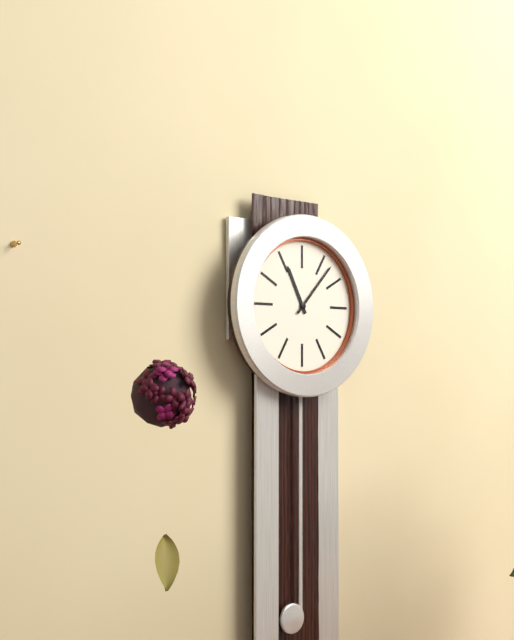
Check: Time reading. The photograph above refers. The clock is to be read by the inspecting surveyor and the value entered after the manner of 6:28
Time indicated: 11:07
